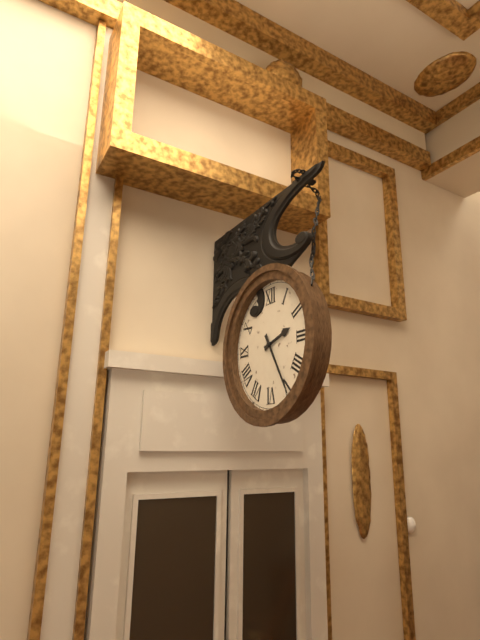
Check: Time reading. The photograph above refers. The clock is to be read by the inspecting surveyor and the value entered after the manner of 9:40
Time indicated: 2:25
